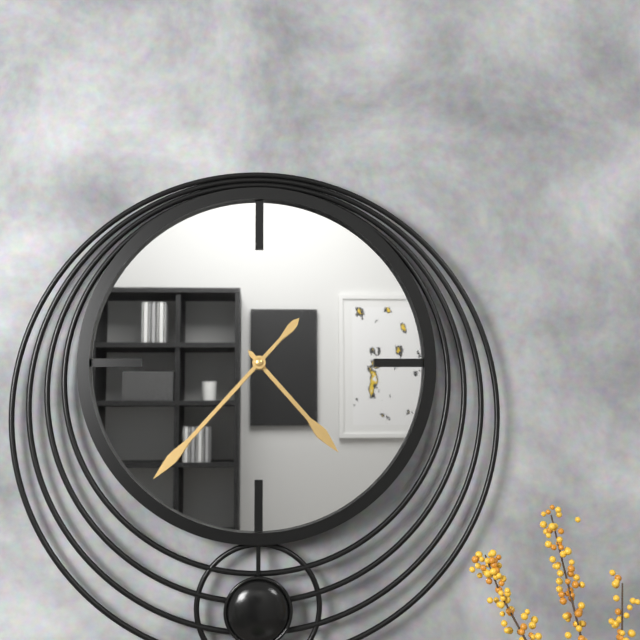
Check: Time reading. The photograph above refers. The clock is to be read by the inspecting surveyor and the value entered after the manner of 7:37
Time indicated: 4:37
